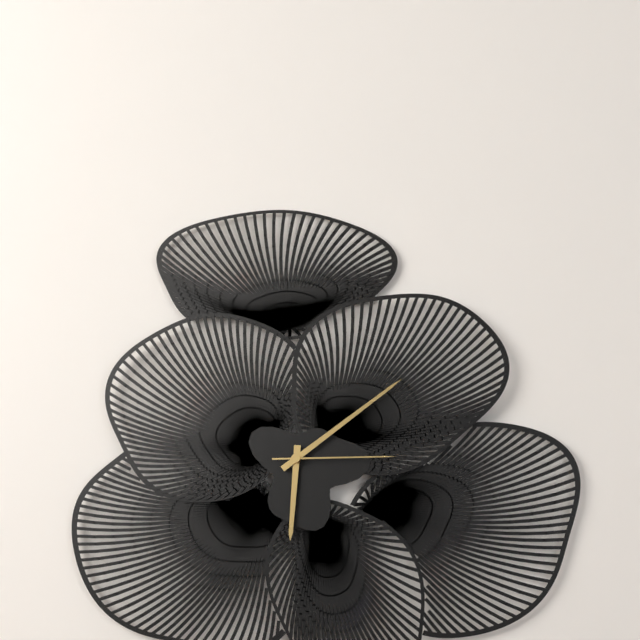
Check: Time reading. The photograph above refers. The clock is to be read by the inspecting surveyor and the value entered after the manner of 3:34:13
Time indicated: 6:09:15
